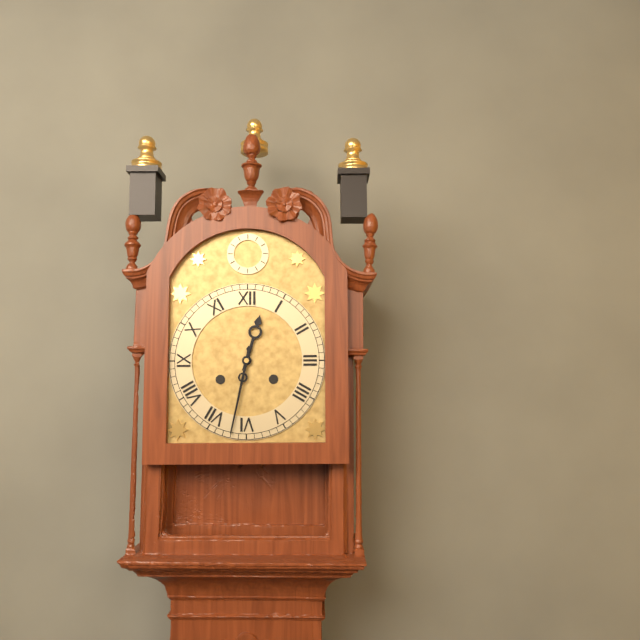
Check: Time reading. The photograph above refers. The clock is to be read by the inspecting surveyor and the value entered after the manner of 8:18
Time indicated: 12:32
